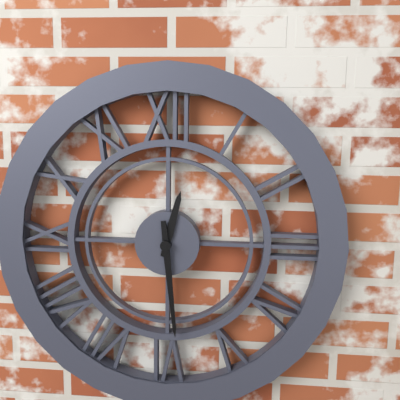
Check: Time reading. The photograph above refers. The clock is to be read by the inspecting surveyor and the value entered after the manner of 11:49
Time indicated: 12:29
